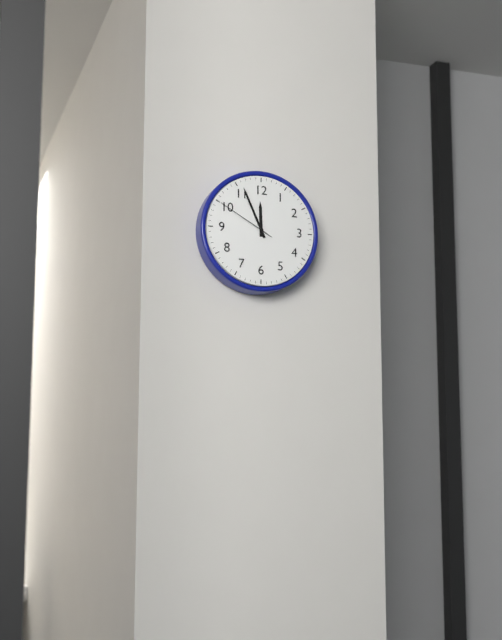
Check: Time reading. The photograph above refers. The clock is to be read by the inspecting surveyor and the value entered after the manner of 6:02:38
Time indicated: 11:56:50
